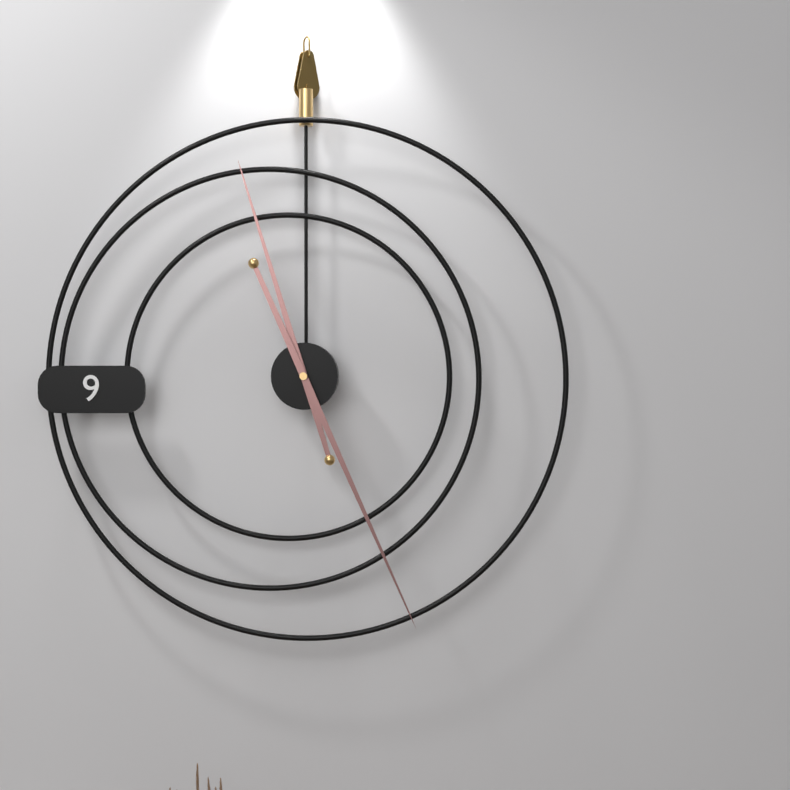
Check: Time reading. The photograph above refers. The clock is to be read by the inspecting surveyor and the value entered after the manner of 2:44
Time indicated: 11:26
